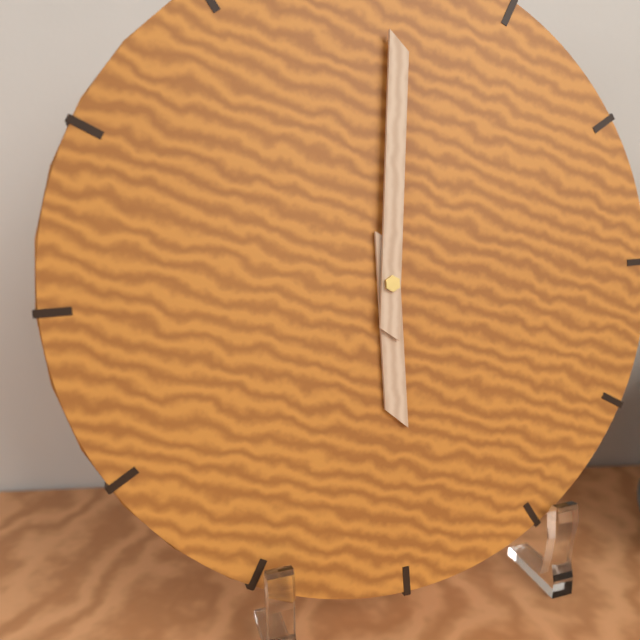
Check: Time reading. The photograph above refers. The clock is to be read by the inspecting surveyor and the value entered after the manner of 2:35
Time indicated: 6:01
